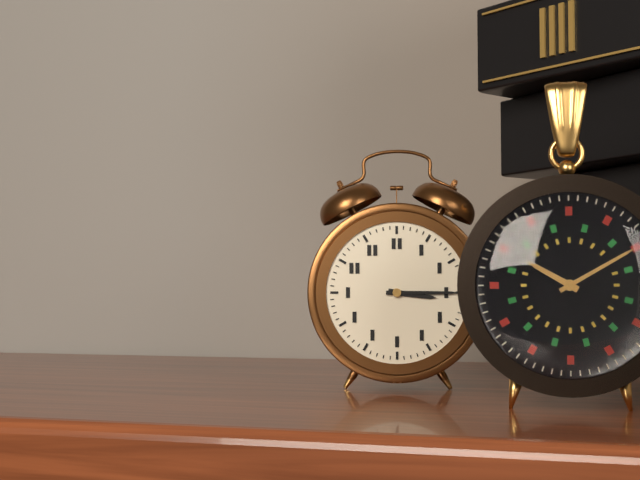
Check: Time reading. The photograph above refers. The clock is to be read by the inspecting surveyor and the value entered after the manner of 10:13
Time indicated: 3:15
